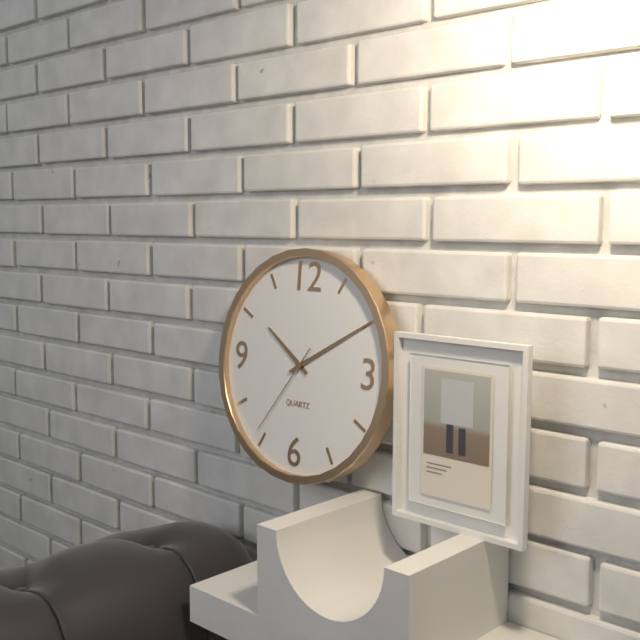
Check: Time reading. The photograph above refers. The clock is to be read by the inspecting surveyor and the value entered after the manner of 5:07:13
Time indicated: 10:10:36
